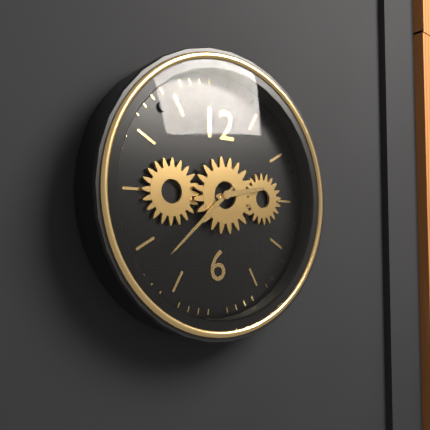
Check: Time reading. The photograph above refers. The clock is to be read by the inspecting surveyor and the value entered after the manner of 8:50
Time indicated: 2:38
